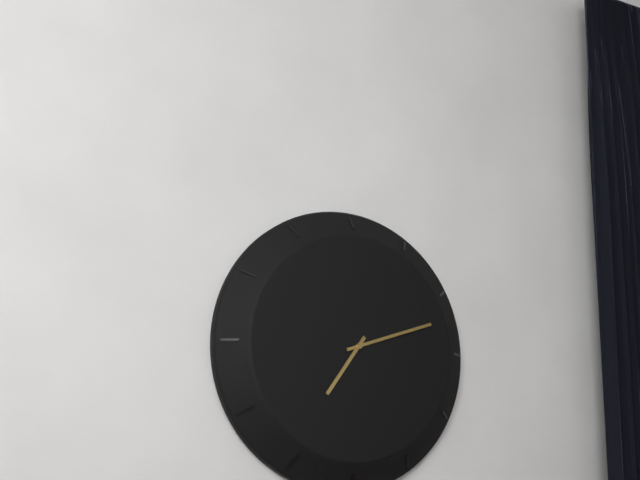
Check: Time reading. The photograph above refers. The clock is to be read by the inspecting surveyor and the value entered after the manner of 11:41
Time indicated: 7:12
